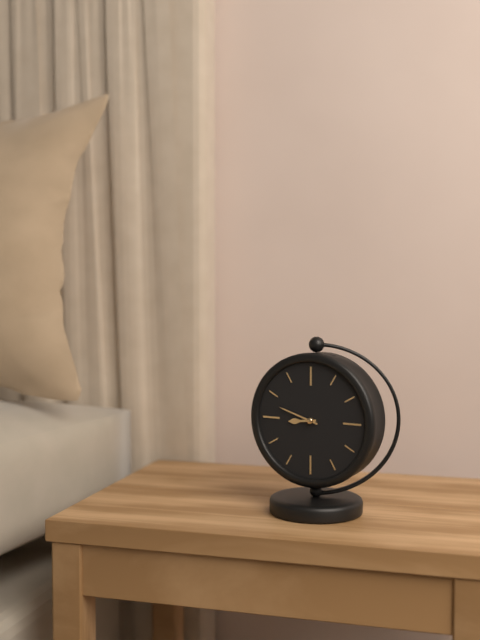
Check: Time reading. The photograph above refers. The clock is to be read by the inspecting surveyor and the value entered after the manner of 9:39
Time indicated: 8:48
